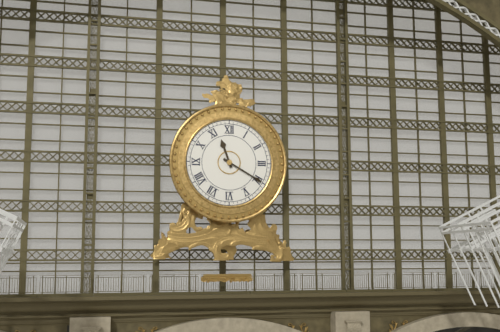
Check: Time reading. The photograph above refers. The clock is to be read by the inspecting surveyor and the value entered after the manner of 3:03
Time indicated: 11:20
